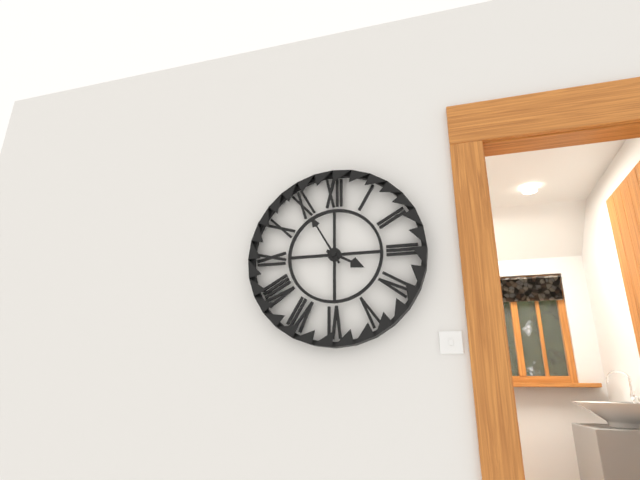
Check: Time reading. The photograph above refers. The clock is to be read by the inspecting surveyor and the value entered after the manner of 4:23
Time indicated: 3:55
